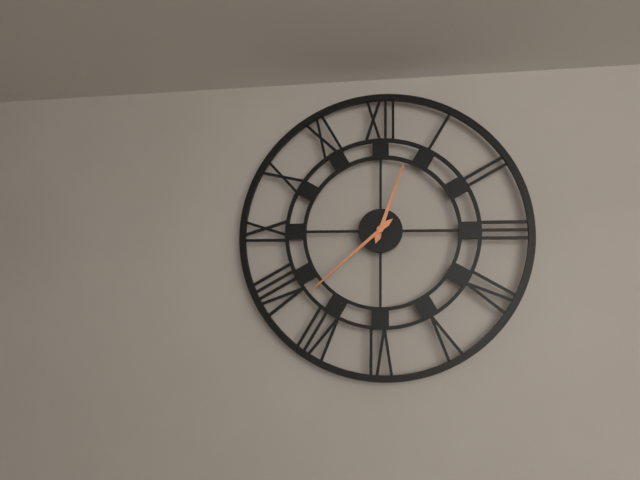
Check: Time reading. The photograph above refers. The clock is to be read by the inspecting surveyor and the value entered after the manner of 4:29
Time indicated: 12:38
